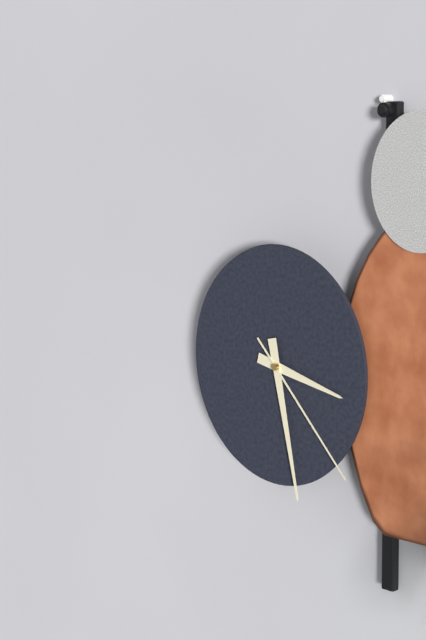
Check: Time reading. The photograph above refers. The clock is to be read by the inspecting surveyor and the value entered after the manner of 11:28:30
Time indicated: 3:28:23
